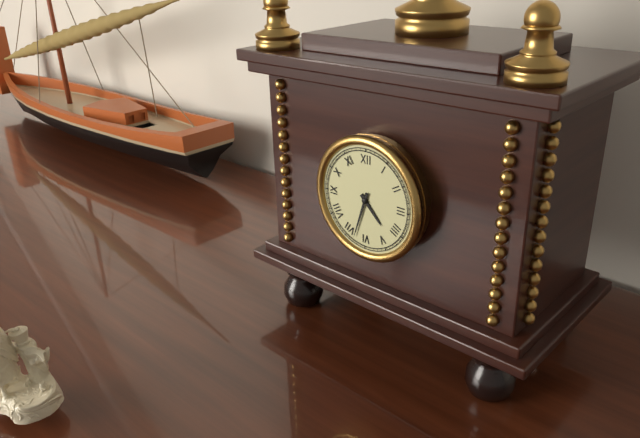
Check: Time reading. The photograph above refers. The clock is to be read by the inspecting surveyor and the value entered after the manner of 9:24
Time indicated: 4:33
